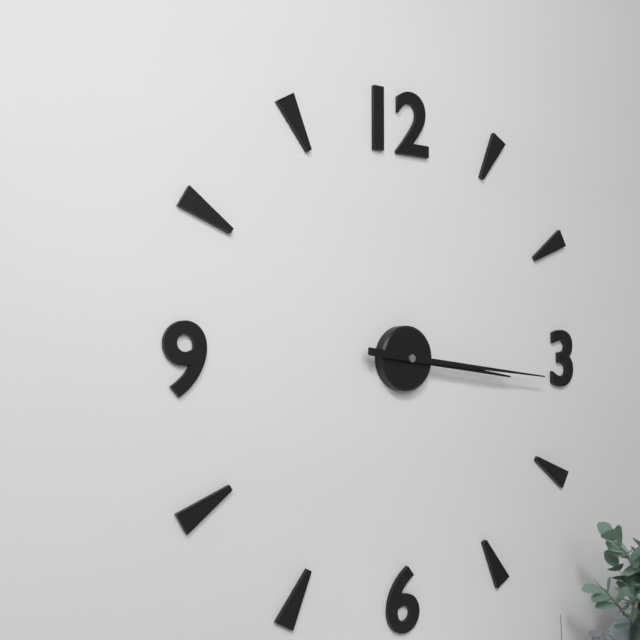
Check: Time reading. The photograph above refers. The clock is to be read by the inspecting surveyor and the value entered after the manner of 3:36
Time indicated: 3:16
